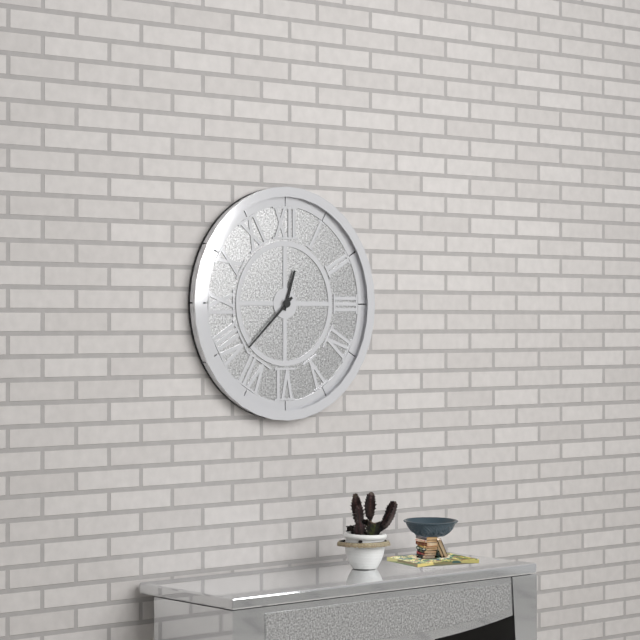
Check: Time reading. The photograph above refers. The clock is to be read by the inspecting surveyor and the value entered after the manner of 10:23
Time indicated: 12:38
